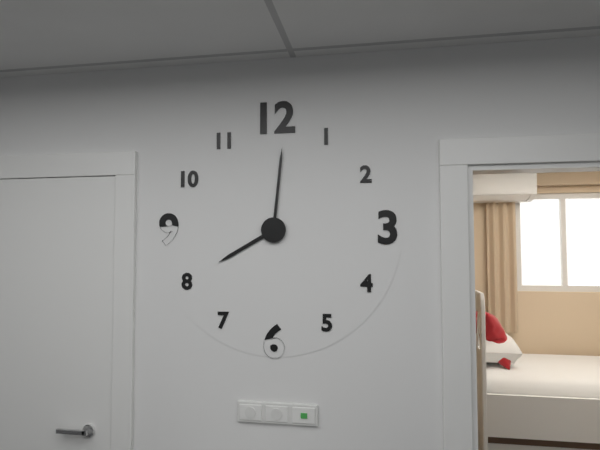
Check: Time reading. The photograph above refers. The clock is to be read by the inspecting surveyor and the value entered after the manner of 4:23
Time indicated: 8:01
